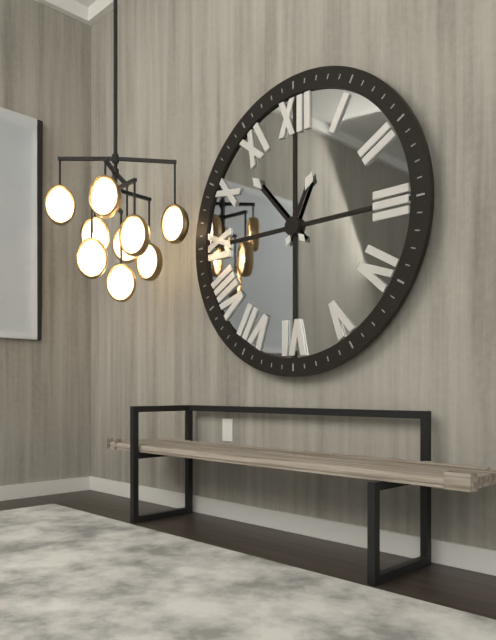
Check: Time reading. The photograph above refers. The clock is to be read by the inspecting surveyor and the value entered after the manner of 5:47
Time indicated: 12:53
